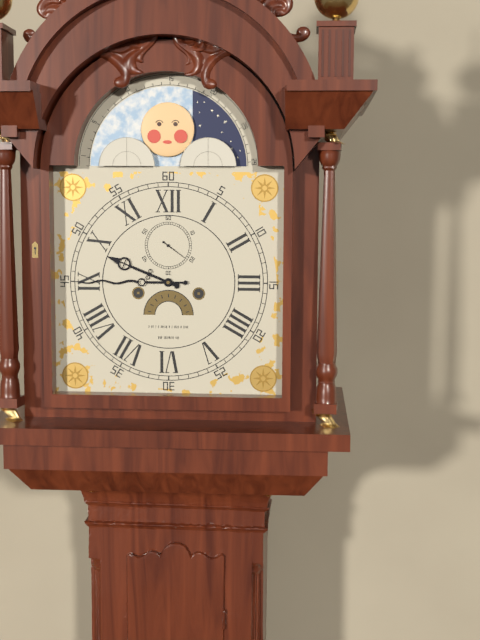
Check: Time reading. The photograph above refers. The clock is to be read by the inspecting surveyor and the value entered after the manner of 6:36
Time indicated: 9:45
